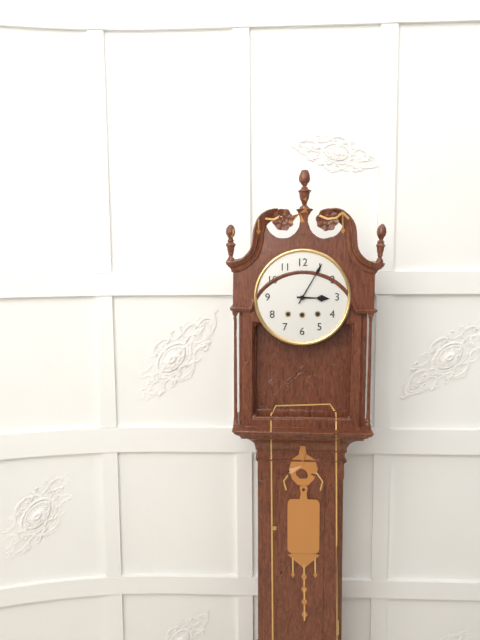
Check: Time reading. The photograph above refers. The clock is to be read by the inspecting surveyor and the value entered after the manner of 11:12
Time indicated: 3:05
